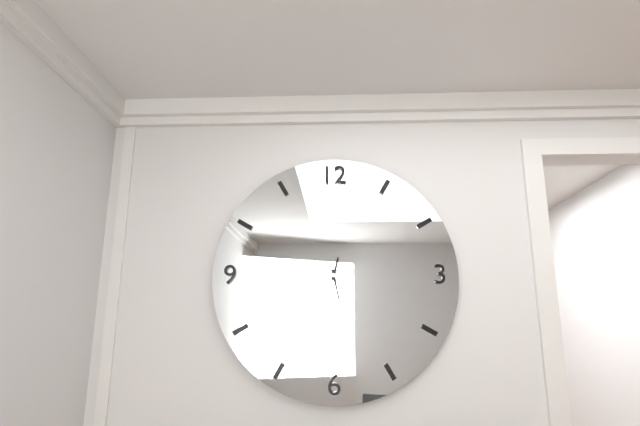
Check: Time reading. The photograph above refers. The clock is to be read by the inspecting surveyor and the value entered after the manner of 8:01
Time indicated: 12:28
